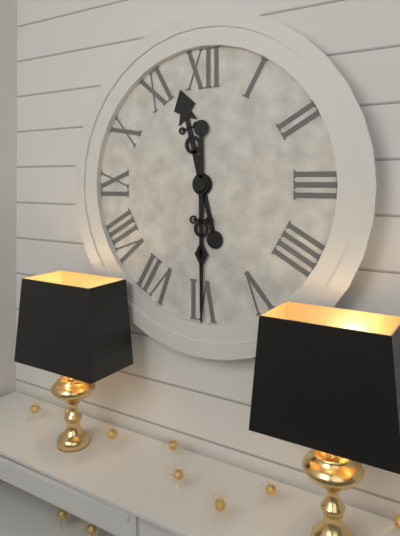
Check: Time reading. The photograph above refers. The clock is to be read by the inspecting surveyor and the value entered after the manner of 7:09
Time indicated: 11:30
